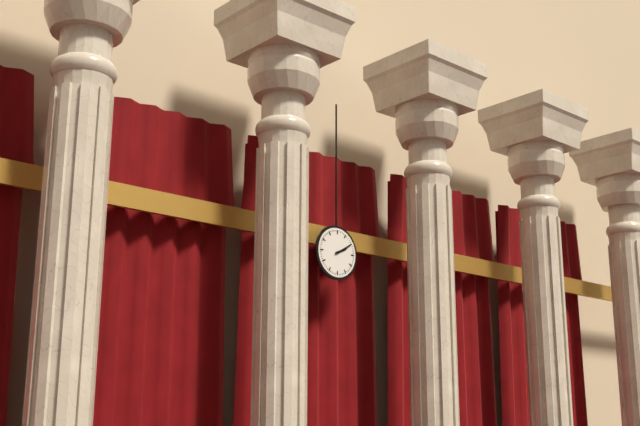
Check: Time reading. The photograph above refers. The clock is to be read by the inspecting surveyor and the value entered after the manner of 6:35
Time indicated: 2:10
